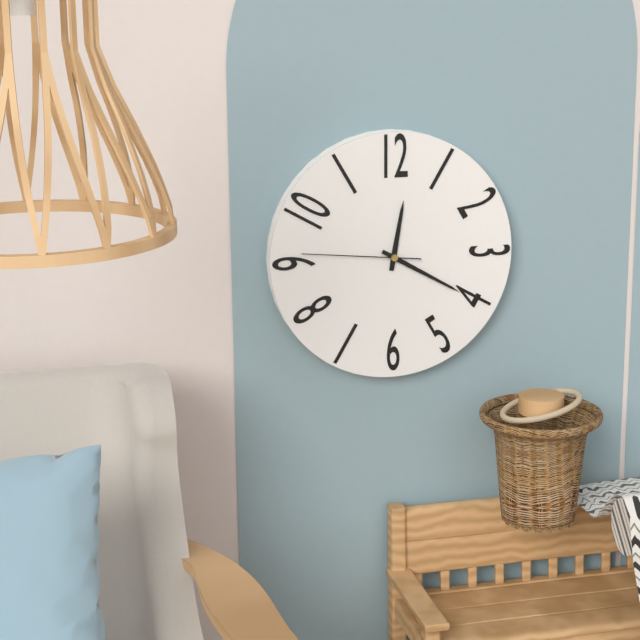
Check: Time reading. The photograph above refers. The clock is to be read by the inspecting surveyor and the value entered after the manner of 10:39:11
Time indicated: 12:20:46
